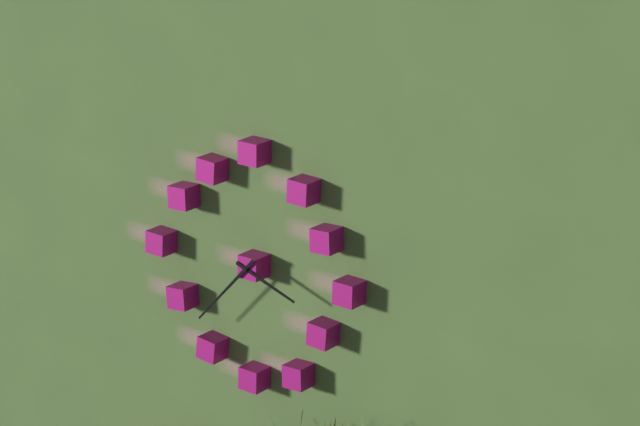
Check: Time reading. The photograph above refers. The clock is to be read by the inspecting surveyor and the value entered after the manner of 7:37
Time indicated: 3:37
